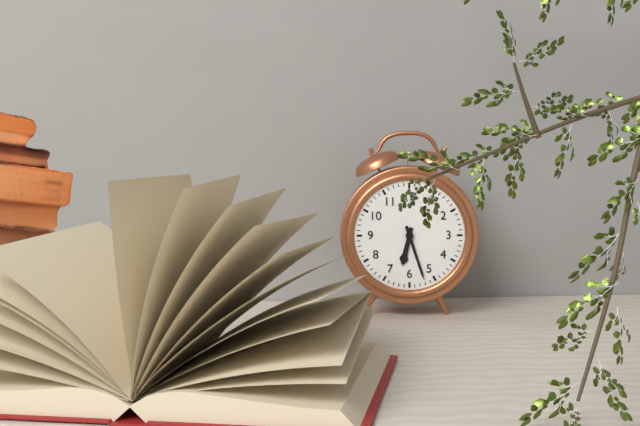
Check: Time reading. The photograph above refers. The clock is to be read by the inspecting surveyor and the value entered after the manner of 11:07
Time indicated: 6:27
